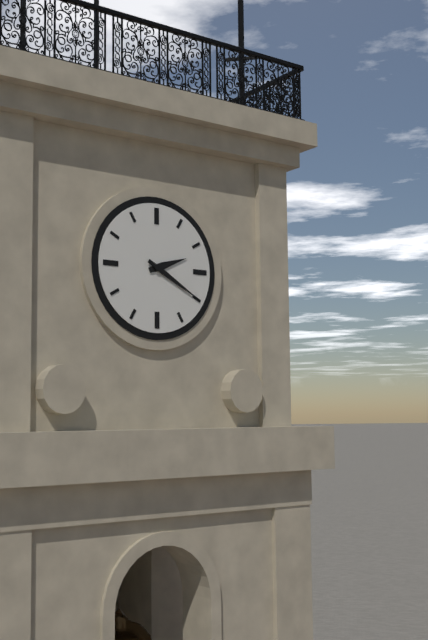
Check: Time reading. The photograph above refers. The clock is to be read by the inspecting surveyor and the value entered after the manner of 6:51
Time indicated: 2:20
